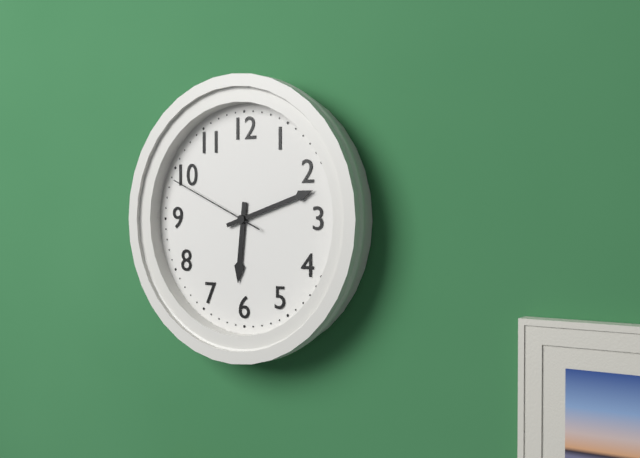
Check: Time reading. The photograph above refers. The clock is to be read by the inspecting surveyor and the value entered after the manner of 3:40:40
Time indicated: 6:12:49
